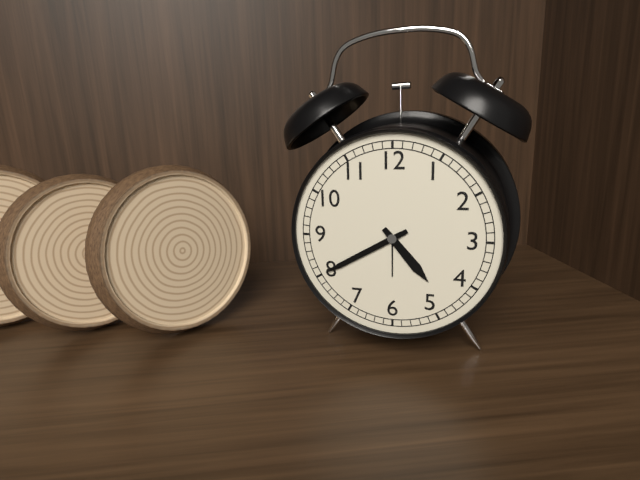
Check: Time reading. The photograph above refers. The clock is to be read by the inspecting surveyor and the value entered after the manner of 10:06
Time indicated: 4:40
